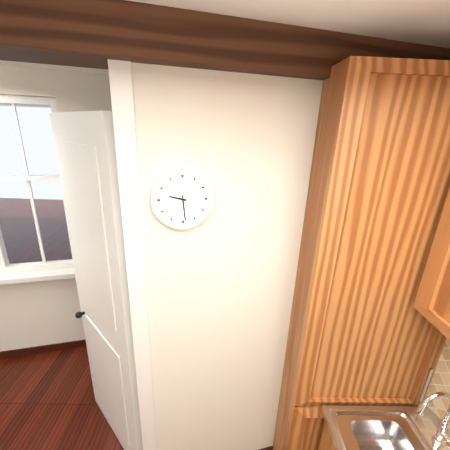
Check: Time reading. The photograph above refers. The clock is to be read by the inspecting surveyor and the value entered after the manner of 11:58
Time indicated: 9:29
